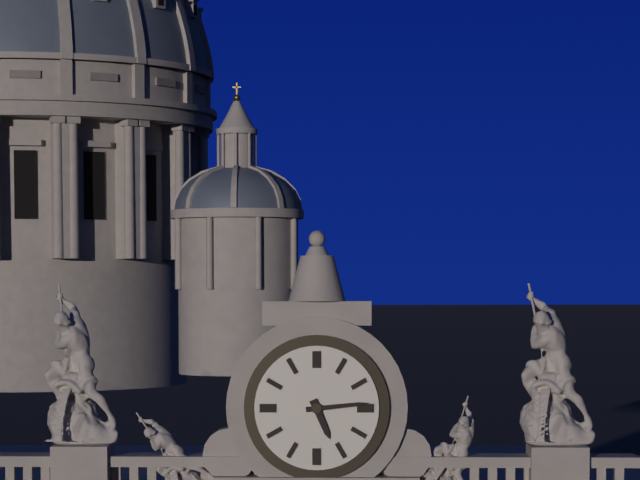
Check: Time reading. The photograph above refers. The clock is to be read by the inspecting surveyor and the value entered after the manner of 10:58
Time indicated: 5:14
